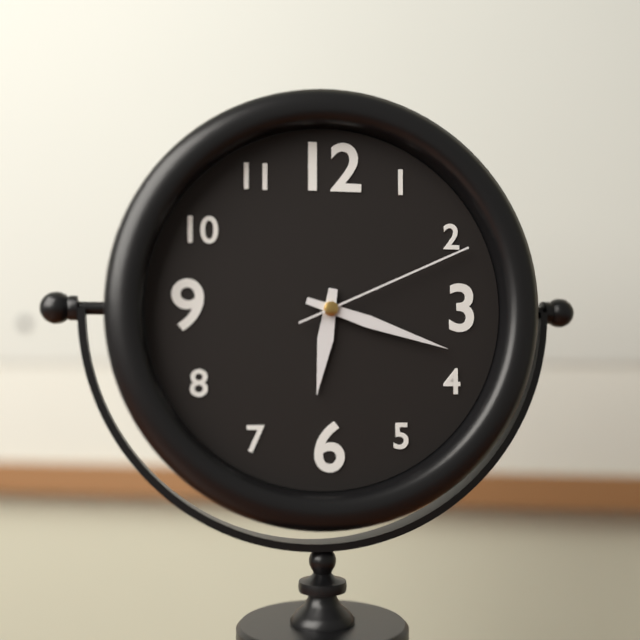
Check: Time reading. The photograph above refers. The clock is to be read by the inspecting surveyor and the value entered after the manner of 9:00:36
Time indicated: 6:18:11
